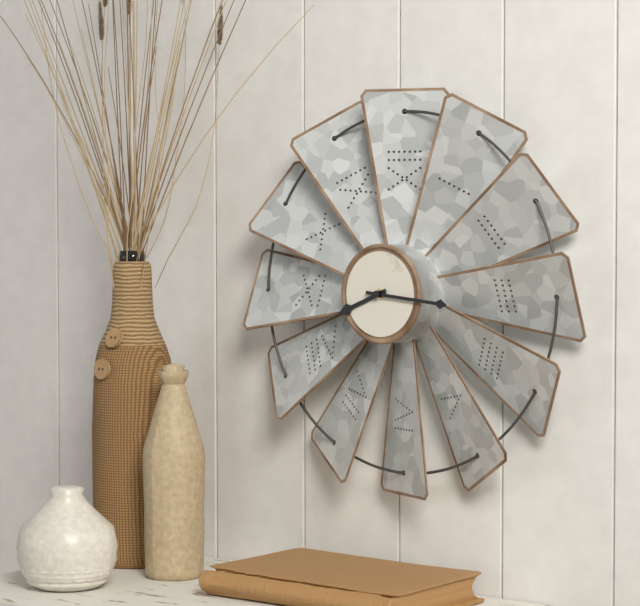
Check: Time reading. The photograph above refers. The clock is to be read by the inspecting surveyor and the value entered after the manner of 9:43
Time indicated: 8:16
